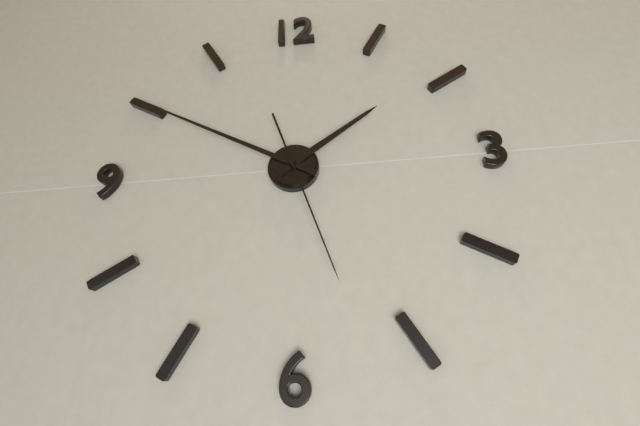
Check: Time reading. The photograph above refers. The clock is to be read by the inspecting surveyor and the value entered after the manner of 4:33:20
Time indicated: 1:50:27
